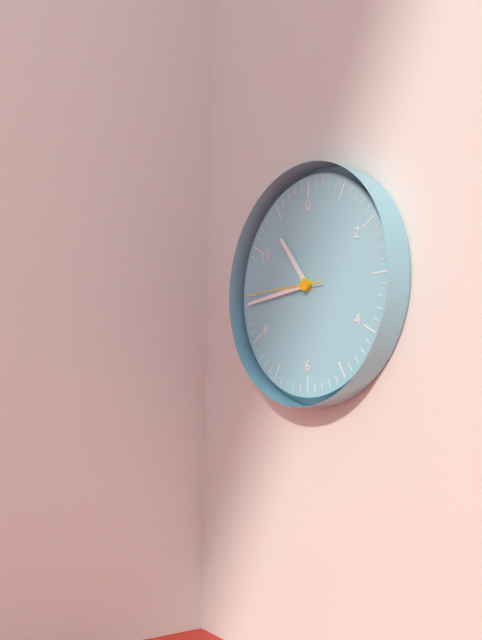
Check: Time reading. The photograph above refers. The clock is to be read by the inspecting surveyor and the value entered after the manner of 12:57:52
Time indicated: 10:44:45
